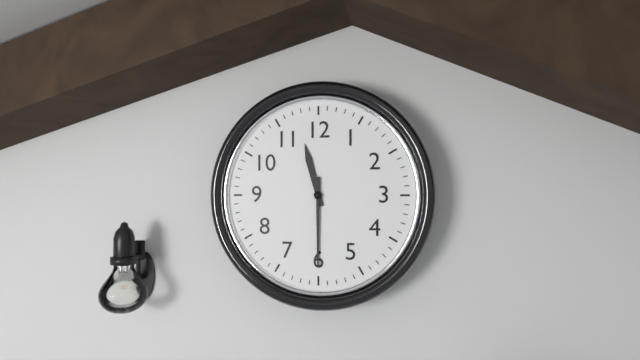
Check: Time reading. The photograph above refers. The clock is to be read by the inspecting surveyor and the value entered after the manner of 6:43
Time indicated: 11:30
